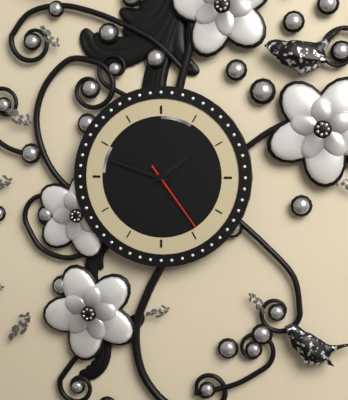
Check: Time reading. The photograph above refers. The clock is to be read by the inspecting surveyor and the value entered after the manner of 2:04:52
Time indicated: 1:48:24
